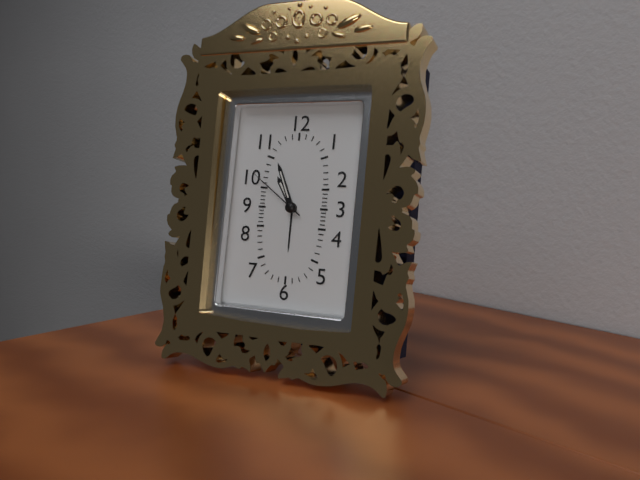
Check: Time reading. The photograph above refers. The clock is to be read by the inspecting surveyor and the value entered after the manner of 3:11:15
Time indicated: 10:56:51
